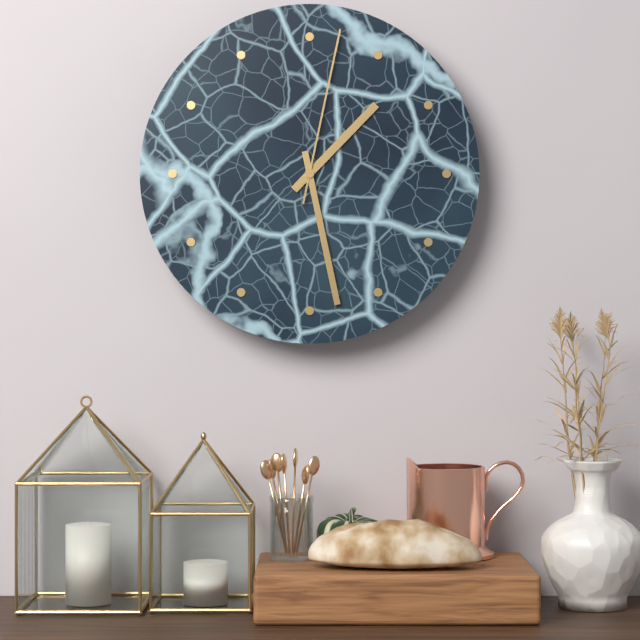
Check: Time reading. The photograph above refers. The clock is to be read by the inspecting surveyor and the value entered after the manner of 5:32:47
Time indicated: 1:28:02
